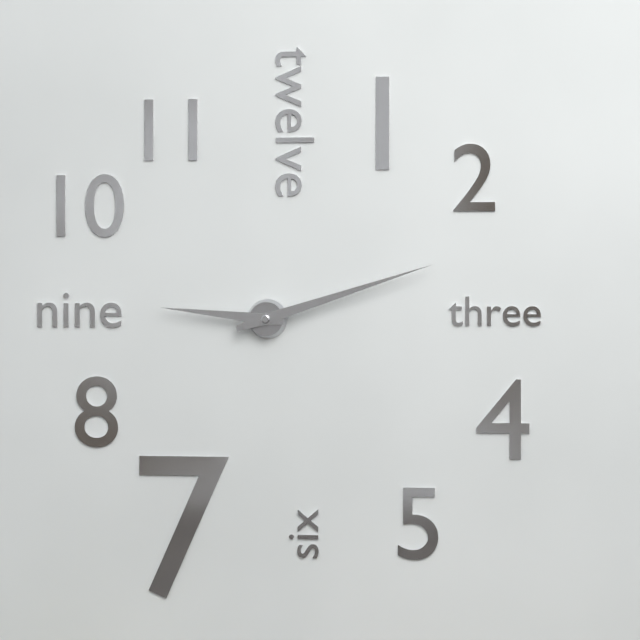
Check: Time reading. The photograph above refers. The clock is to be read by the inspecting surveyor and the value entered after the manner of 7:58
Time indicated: 9:12
